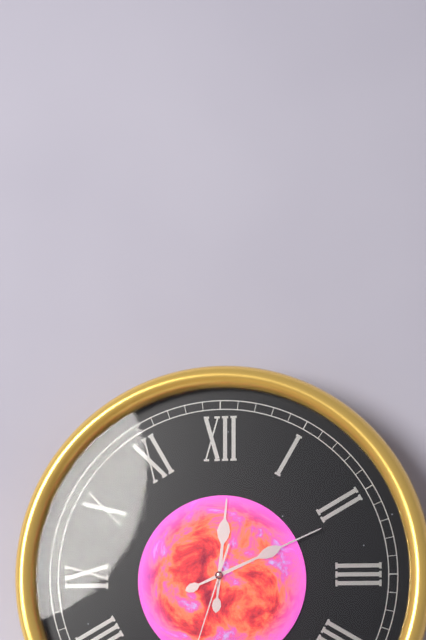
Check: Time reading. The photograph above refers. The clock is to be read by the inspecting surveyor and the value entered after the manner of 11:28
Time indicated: 12:11
